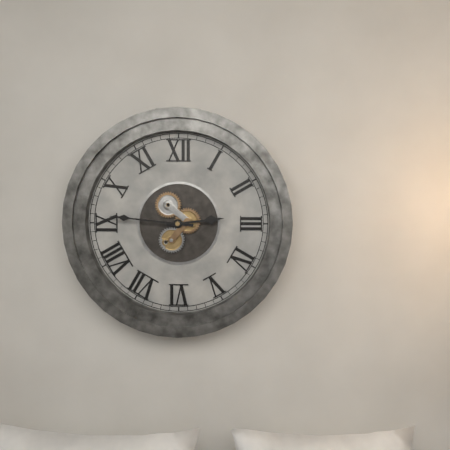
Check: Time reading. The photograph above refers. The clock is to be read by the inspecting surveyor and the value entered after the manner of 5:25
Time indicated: 2:46
